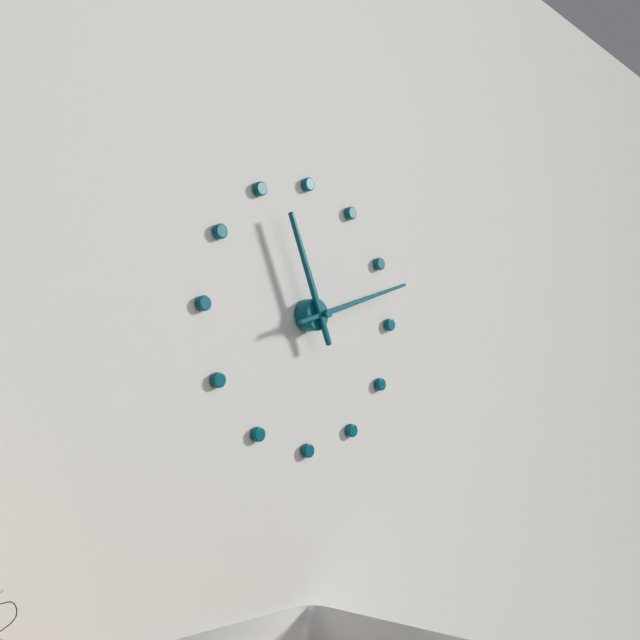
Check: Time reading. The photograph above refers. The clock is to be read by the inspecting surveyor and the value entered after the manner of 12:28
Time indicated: 11:12
